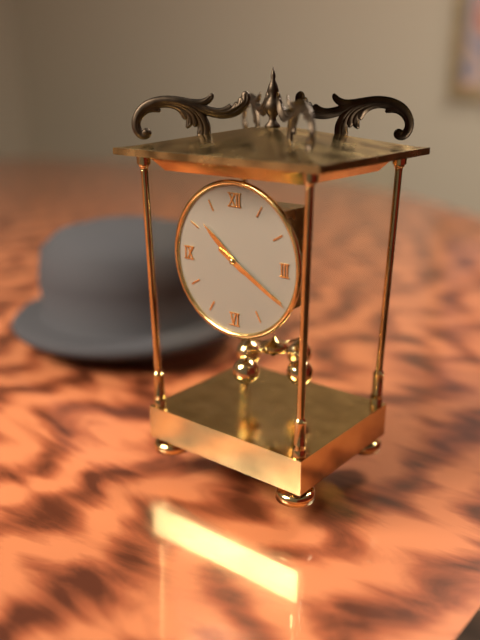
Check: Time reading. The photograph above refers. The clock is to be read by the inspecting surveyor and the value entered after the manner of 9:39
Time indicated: 10:20
